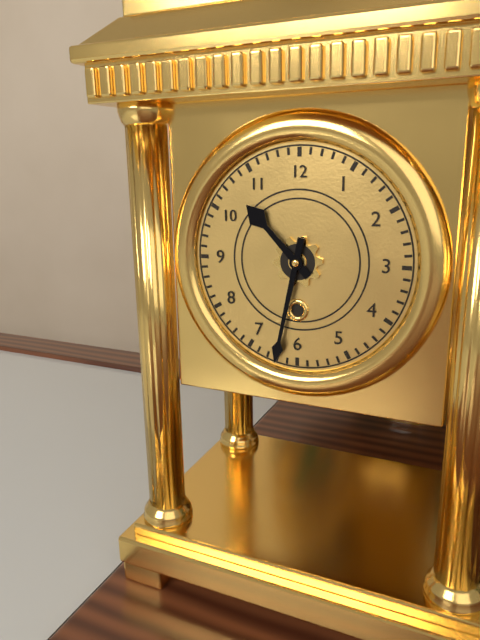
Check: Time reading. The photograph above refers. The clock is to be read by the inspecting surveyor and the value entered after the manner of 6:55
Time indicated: 10:32
